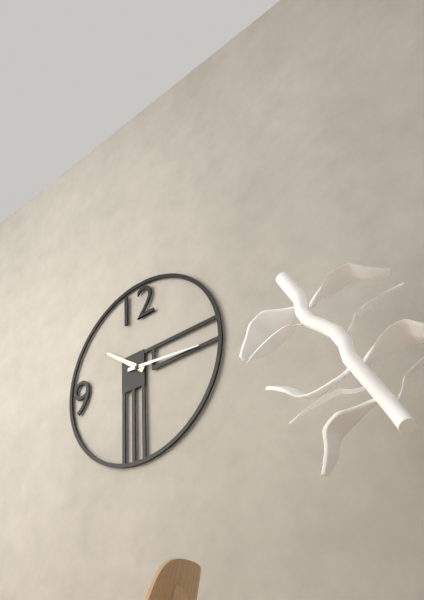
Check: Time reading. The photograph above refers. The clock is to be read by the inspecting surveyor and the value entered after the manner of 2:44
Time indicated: 10:16
